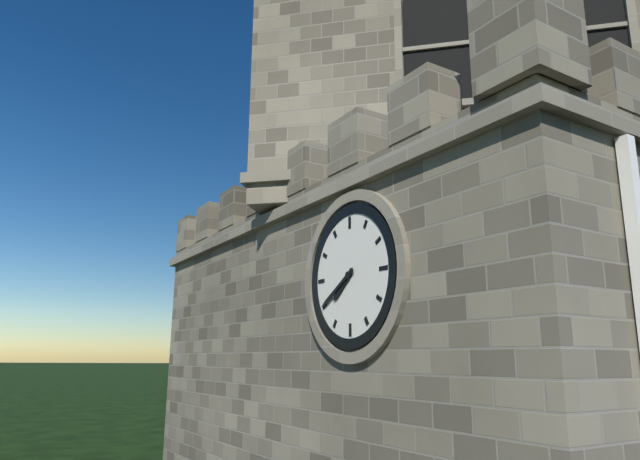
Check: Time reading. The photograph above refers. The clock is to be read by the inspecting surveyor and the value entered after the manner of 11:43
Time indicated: 7:40
